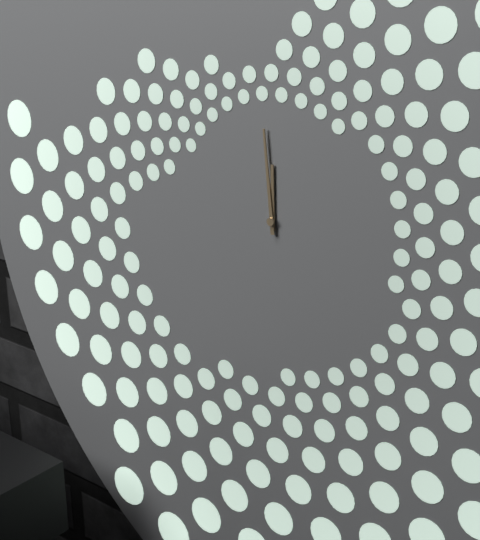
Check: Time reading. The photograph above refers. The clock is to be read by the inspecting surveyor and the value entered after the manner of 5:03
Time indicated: 11:59
